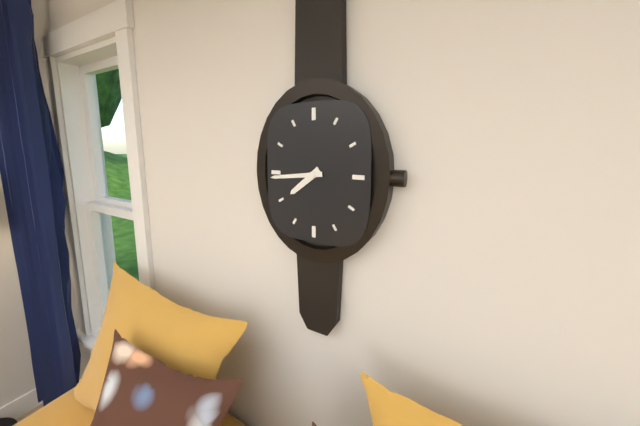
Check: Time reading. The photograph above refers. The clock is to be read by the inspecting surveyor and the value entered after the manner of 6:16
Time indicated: 7:44
